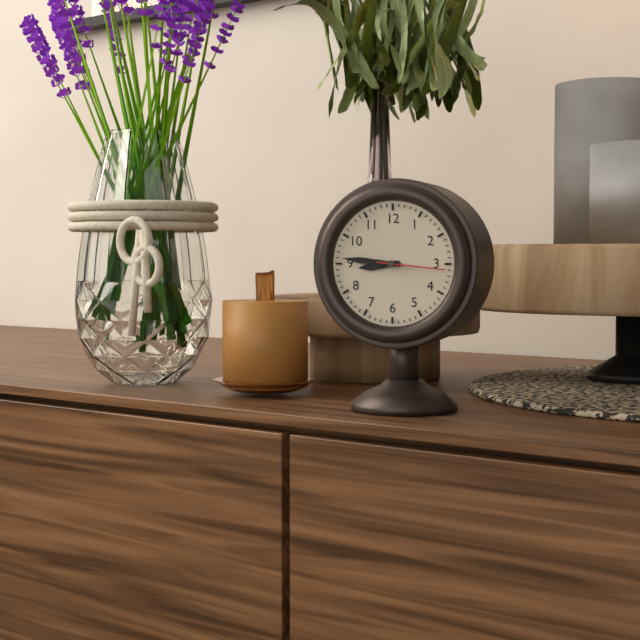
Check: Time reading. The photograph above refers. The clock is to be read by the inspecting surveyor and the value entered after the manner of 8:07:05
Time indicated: 8:46:16
